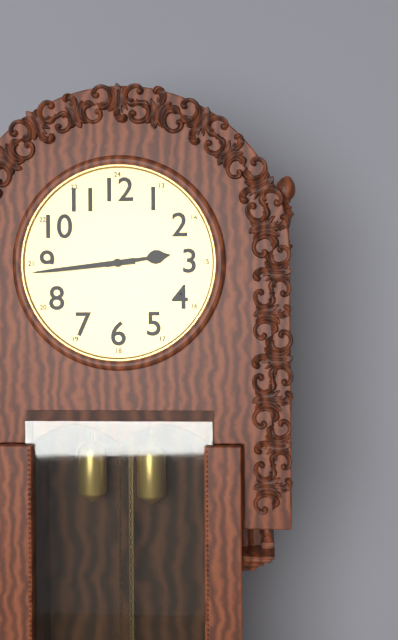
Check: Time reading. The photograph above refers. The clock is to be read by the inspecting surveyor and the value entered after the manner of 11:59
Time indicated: 2:44
